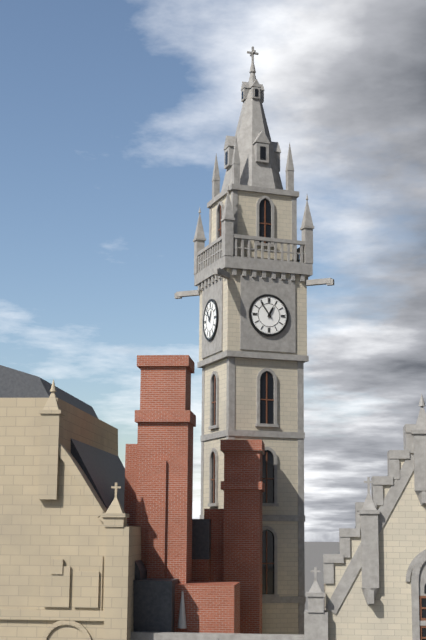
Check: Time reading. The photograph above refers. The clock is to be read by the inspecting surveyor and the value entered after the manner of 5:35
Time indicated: 12:54
